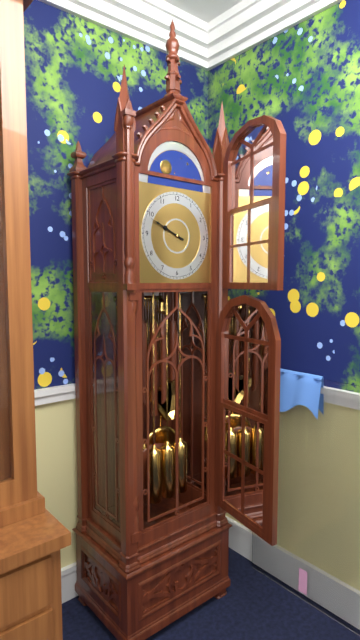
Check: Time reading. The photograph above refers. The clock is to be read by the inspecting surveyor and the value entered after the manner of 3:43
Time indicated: 9:49
